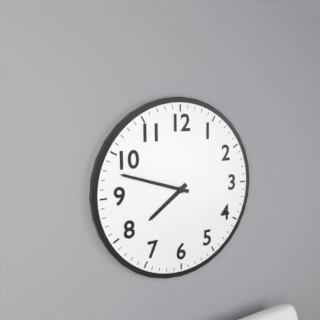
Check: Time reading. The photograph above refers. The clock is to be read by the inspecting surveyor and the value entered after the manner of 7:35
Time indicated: 7:48
